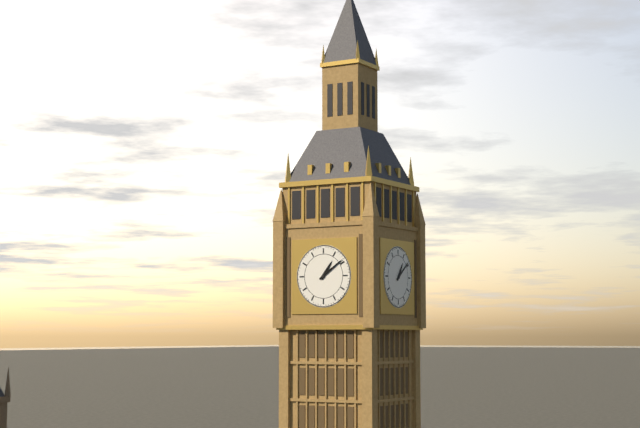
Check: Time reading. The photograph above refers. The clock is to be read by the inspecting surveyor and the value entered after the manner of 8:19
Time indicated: 1:09
